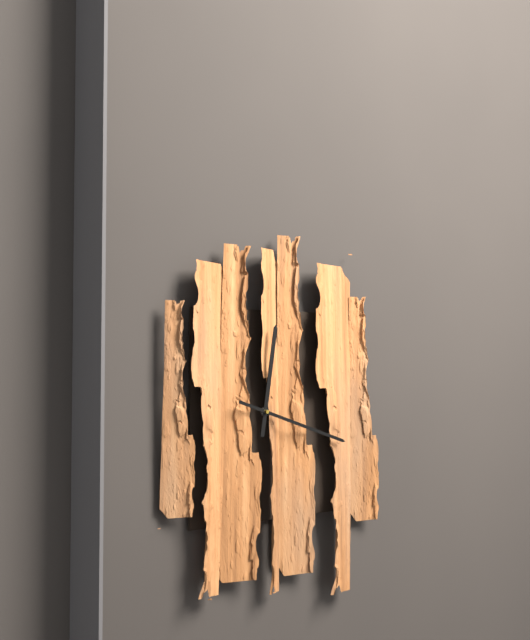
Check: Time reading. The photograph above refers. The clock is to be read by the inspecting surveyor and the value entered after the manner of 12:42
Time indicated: 12:18
